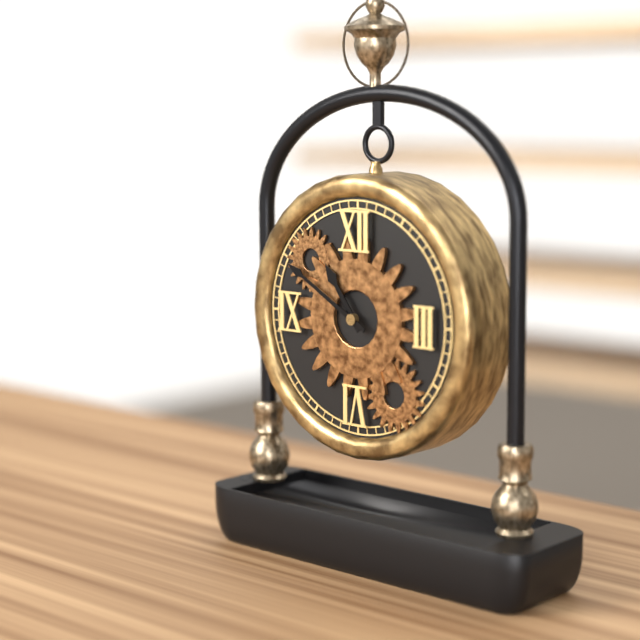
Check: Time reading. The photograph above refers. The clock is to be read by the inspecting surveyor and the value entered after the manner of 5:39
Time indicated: 10:50
